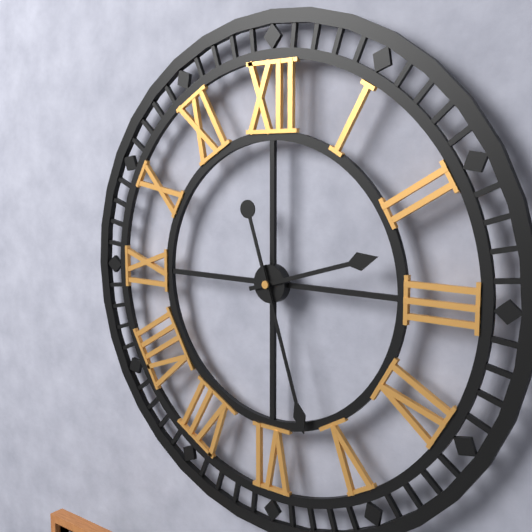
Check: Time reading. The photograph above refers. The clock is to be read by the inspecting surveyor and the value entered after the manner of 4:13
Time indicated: 2:27
